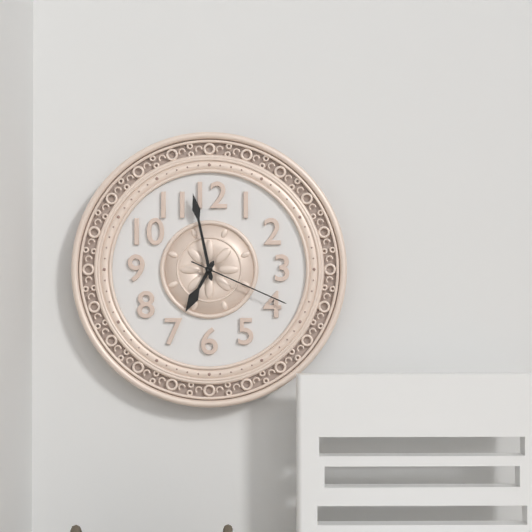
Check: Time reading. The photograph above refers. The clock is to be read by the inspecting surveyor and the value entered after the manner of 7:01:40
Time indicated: 6:58:19
